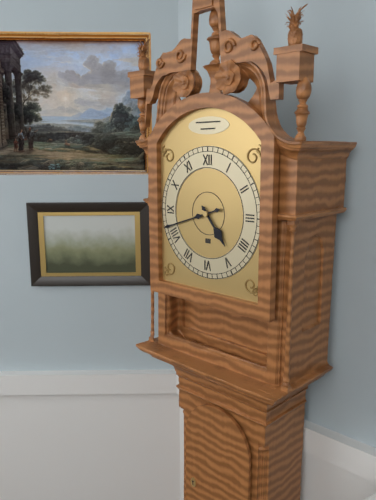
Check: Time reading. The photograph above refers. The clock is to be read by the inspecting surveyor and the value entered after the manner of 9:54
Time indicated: 4:42
